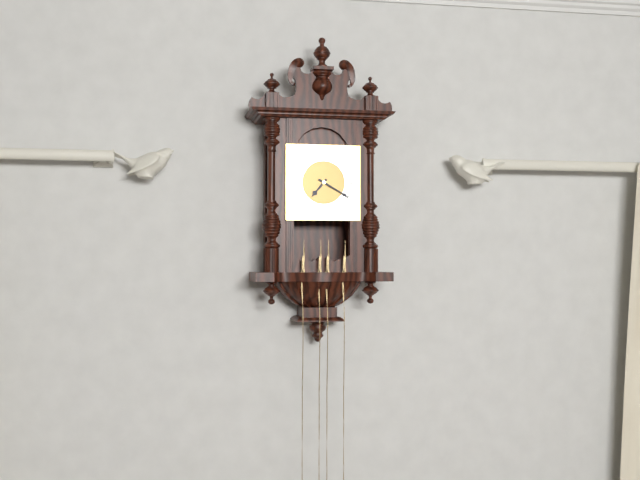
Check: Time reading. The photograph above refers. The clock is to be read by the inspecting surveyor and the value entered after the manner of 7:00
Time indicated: 7:20
